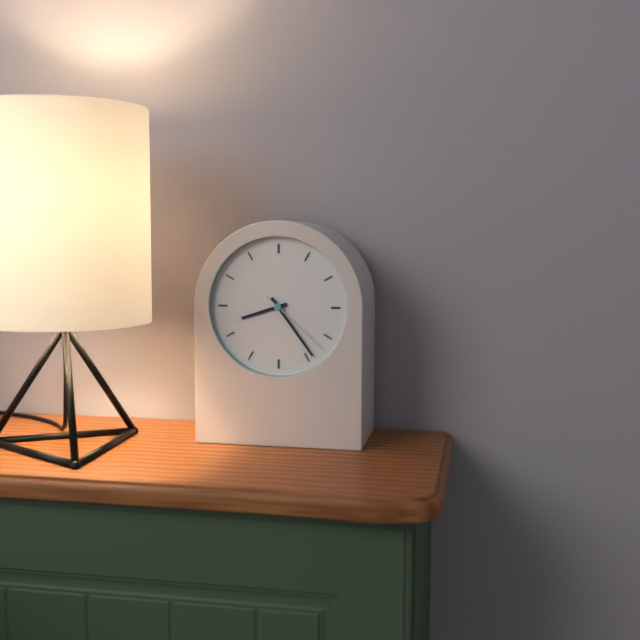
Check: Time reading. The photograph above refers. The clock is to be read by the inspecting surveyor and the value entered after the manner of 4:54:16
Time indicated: 8:24:22
